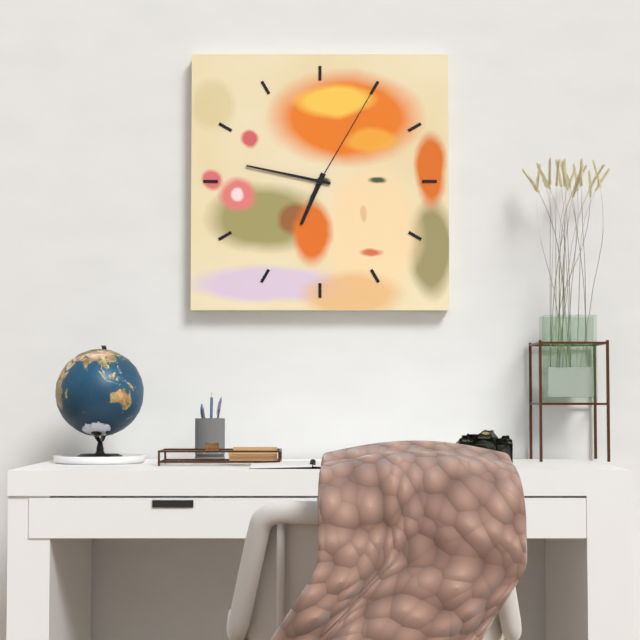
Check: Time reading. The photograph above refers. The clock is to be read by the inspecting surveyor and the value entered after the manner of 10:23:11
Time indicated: 6:47:05
